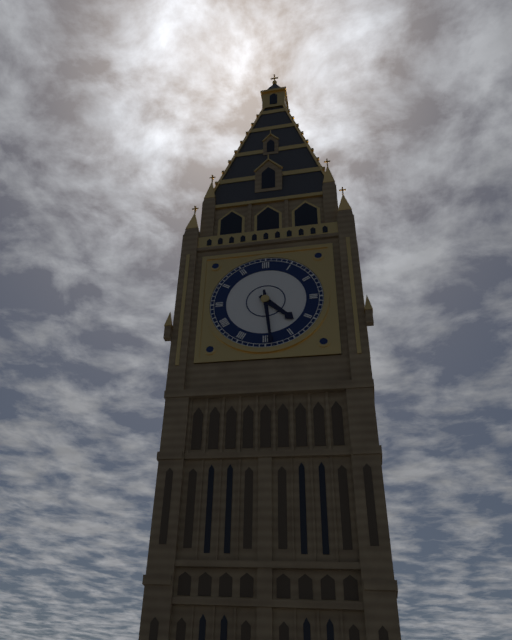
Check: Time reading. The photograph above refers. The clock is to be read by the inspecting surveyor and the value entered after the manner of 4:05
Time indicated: 4:29
